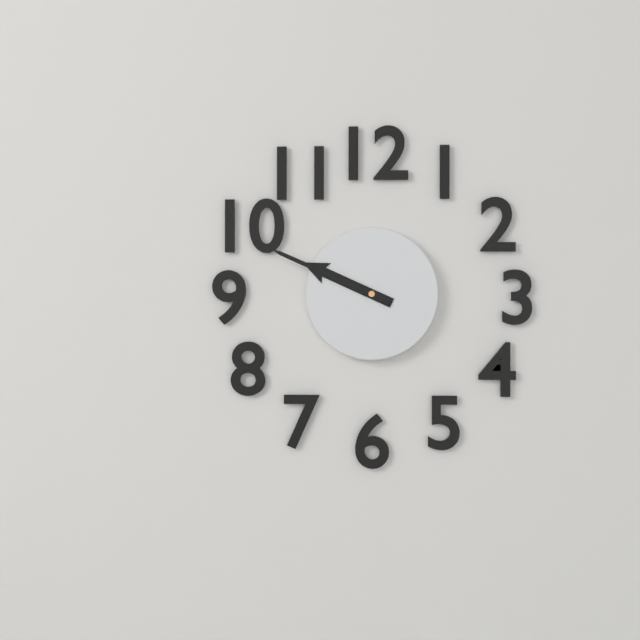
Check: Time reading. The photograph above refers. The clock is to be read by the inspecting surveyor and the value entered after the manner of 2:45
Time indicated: 9:49
